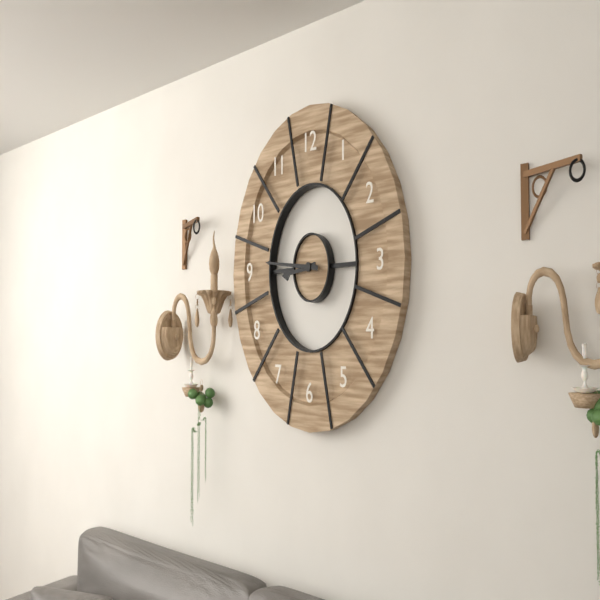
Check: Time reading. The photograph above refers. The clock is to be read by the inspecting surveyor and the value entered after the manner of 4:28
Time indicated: 8:46
